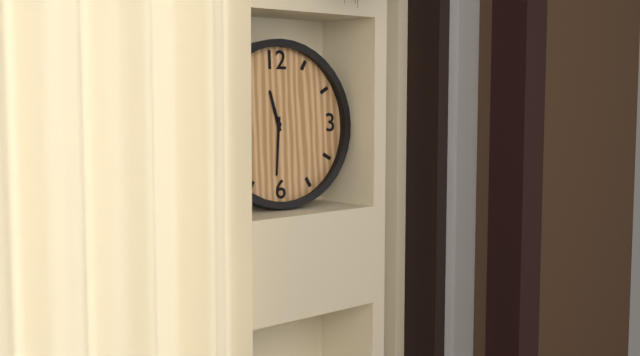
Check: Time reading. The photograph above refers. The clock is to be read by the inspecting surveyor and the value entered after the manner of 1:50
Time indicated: 11:31
